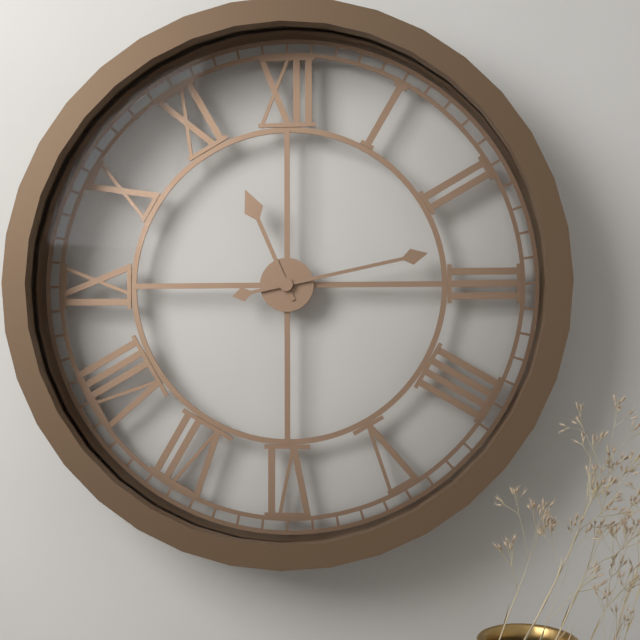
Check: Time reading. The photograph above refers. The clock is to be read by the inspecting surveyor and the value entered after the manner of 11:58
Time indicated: 11:13
